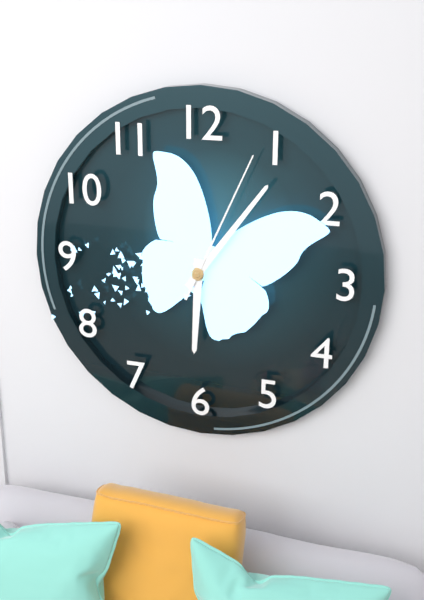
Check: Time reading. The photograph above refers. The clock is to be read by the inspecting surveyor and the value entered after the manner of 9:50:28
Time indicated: 6:06:04
